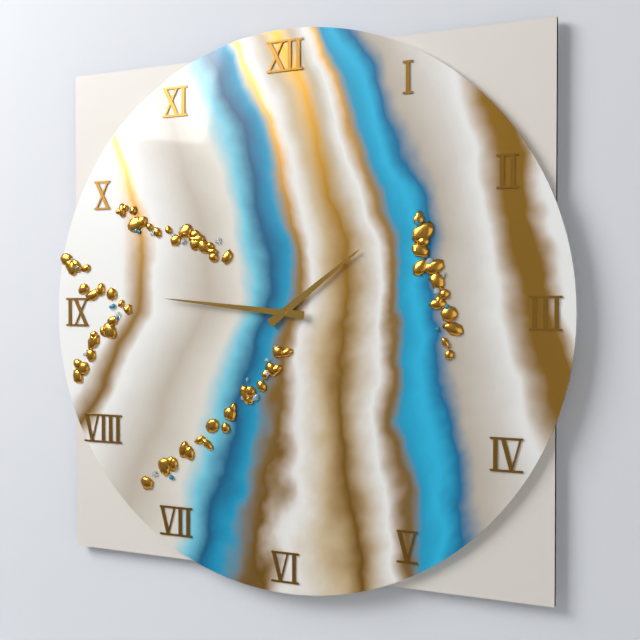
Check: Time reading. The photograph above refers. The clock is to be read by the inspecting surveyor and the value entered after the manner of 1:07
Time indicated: 1:46
